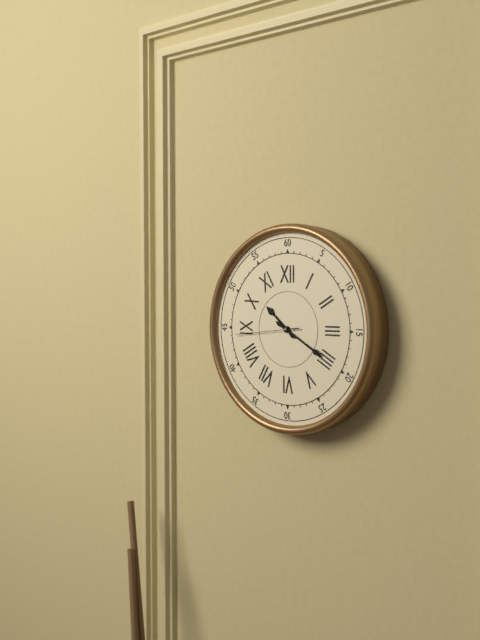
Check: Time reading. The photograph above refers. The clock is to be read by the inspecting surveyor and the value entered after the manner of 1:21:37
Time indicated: 10:20:44
